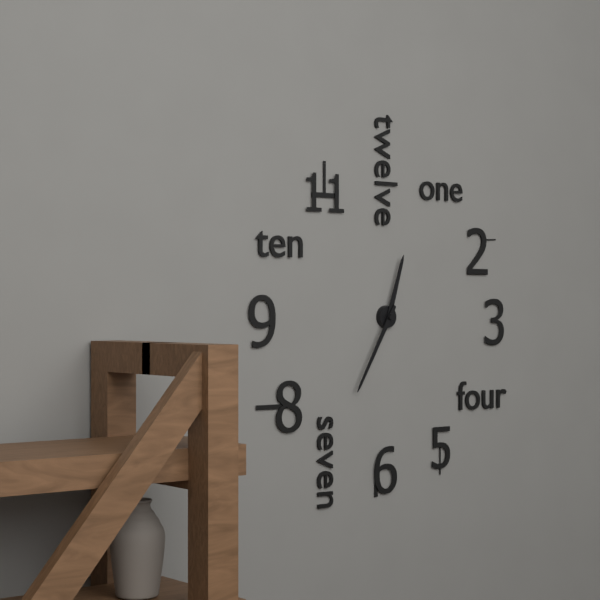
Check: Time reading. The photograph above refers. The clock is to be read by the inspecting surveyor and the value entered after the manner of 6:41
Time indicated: 12:35
